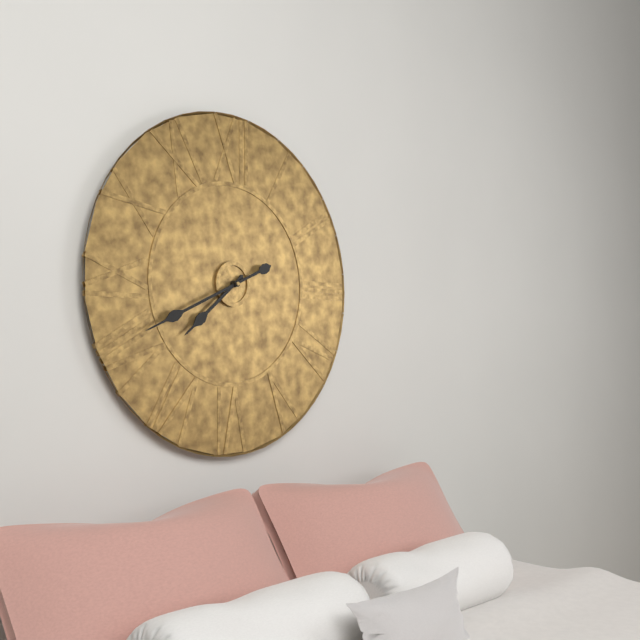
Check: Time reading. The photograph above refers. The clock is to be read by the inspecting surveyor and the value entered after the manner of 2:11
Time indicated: 7:41
